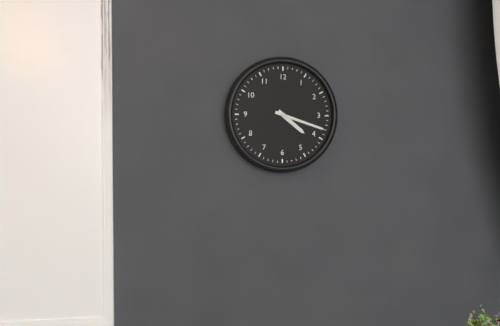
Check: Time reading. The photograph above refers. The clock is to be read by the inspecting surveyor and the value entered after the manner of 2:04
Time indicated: 4:18
